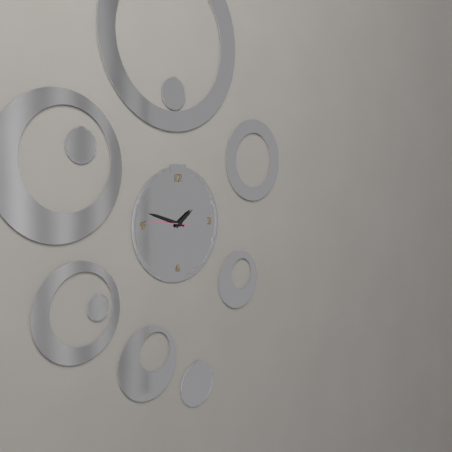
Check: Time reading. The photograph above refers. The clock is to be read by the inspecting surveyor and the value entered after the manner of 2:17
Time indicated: 1:48
